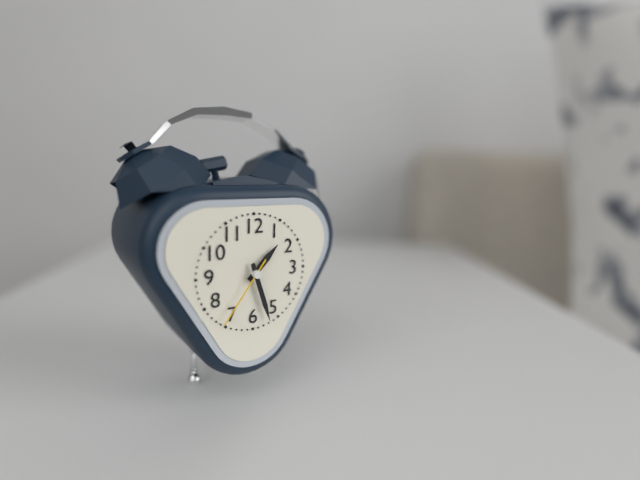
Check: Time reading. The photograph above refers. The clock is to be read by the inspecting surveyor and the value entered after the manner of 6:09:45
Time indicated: 1:27:36
